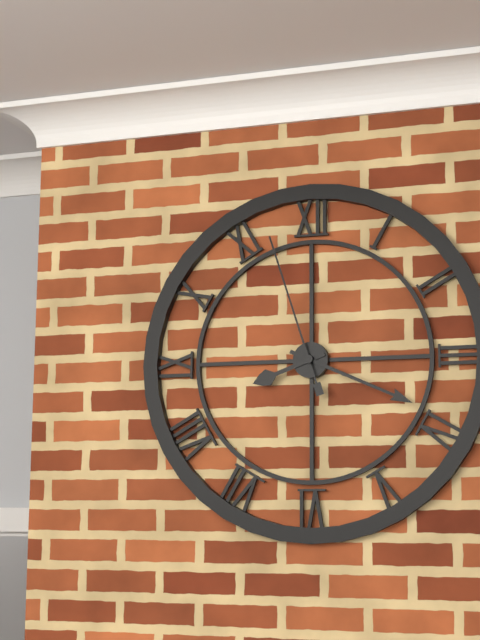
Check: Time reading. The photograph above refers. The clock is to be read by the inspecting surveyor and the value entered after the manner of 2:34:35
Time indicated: 8:19:57
